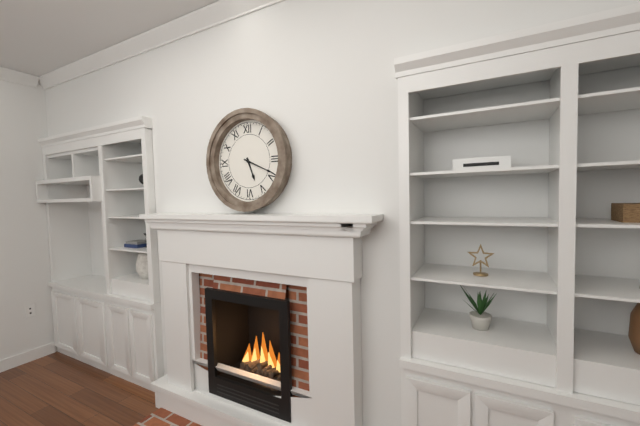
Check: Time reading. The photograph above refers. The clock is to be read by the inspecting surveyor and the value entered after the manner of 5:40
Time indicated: 5:19
